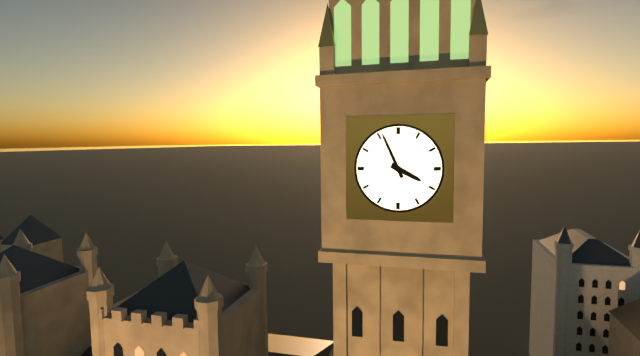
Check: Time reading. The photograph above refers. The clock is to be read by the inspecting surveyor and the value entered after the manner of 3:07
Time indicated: 3:56
